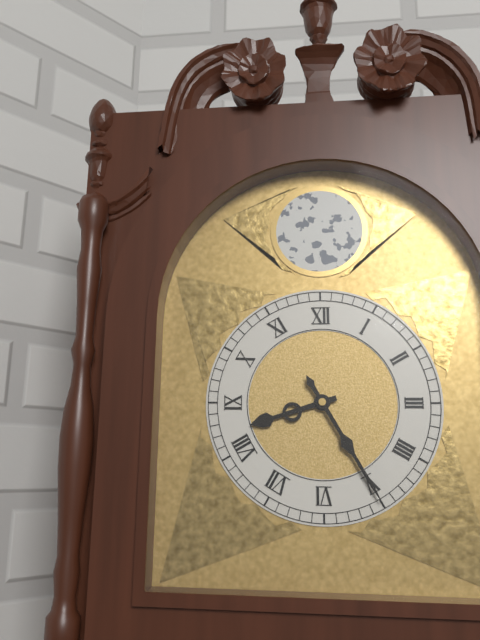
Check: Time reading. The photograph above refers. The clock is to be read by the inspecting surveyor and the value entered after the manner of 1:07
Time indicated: 8:25
